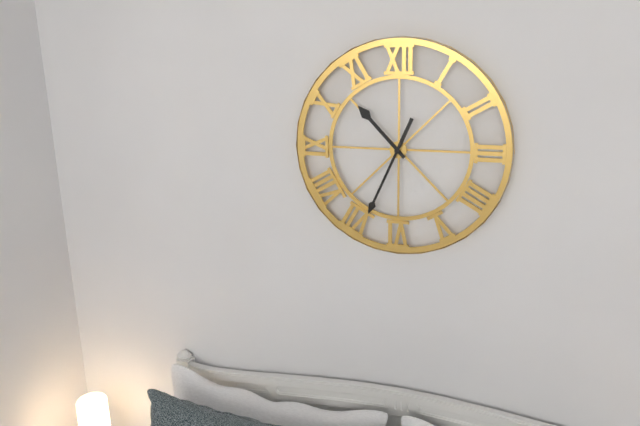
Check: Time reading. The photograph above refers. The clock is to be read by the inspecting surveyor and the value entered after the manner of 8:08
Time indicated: 10:34
